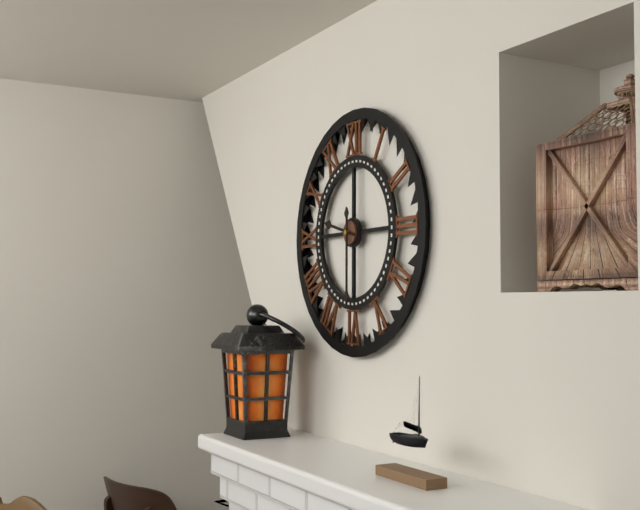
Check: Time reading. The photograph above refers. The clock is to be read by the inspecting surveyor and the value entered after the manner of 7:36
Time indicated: 9:30
